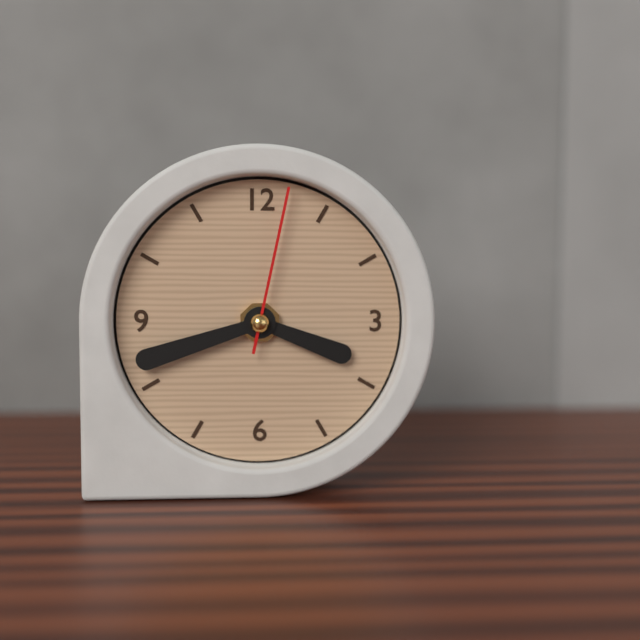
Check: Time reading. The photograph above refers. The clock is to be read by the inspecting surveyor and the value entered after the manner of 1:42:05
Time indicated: 3:42:02
